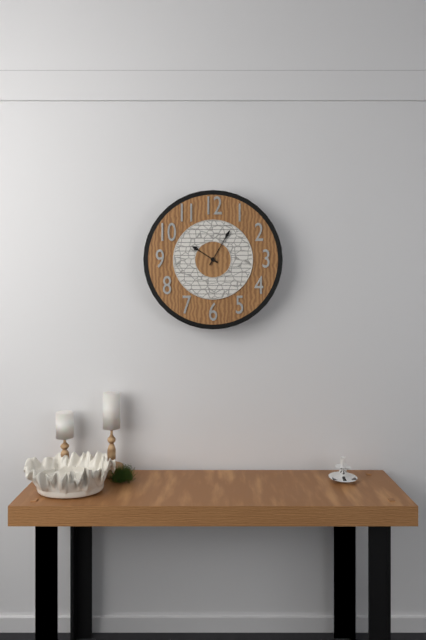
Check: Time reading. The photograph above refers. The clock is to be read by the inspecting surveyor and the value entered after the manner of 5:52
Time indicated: 10:05
